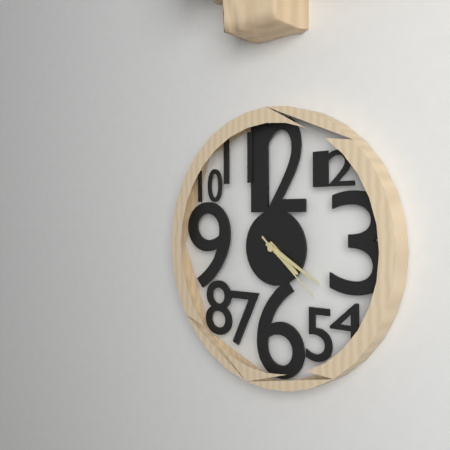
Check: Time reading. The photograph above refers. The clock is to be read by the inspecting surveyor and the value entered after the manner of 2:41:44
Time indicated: 4:20:22
